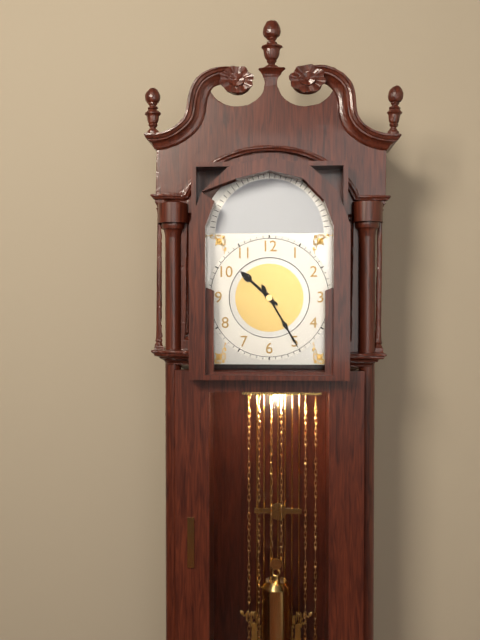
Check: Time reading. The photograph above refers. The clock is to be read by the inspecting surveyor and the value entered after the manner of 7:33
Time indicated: 10:25
